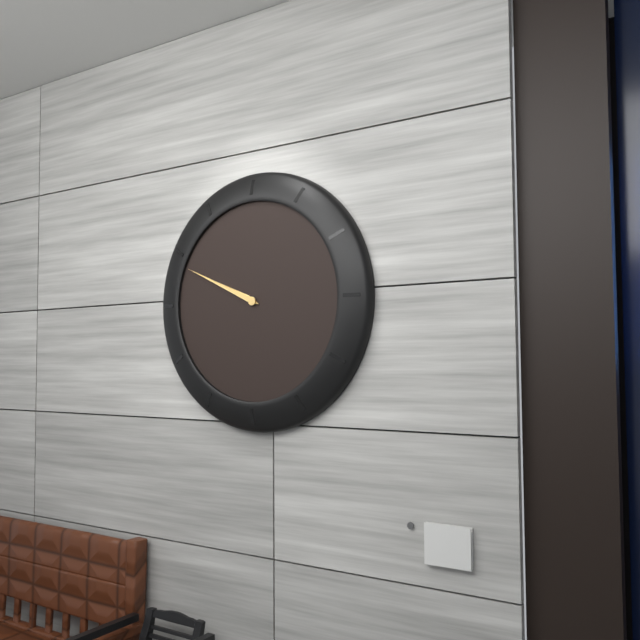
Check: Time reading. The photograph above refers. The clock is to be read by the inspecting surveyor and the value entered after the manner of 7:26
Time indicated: 9:49
